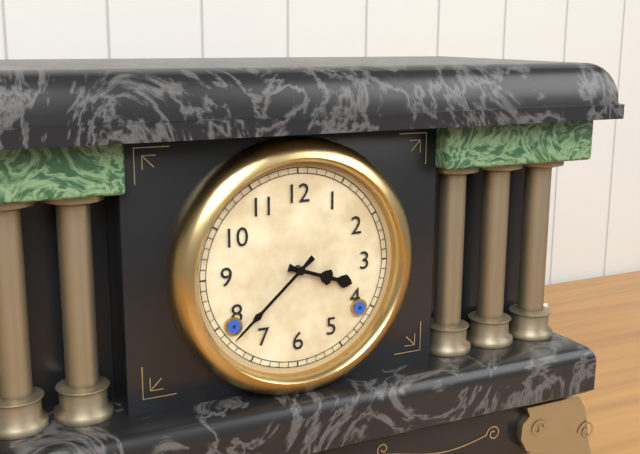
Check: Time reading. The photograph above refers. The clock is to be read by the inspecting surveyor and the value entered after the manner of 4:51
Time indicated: 3:38
